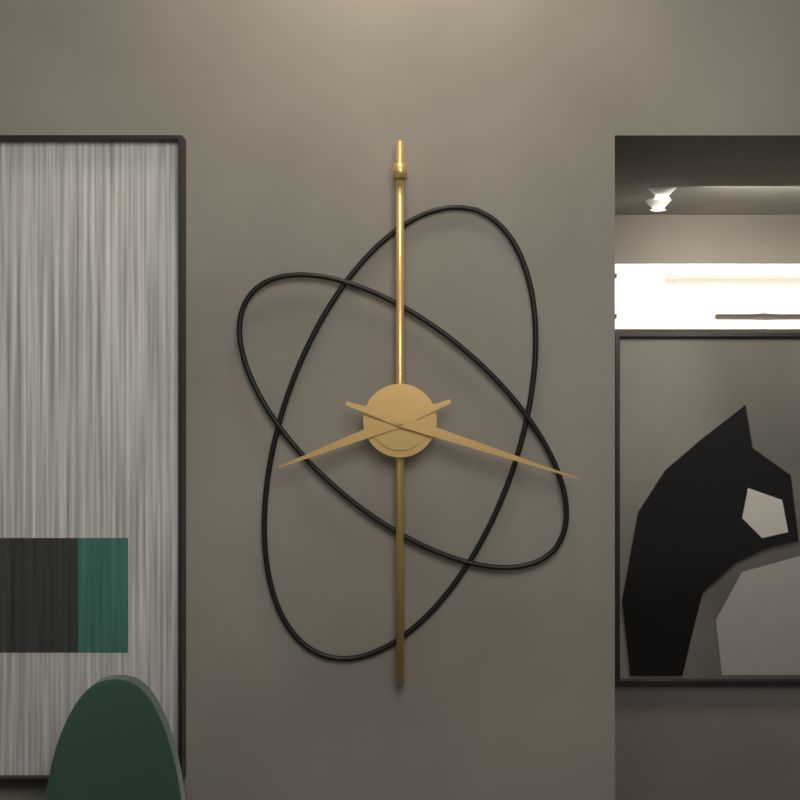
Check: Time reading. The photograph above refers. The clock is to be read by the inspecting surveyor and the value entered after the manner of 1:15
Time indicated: 8:18
